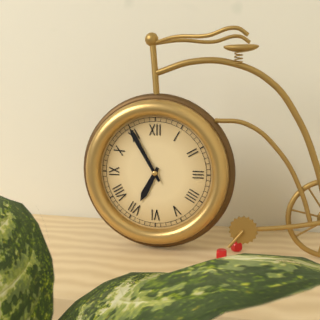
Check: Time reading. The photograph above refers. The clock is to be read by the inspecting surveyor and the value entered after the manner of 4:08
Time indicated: 6:55
